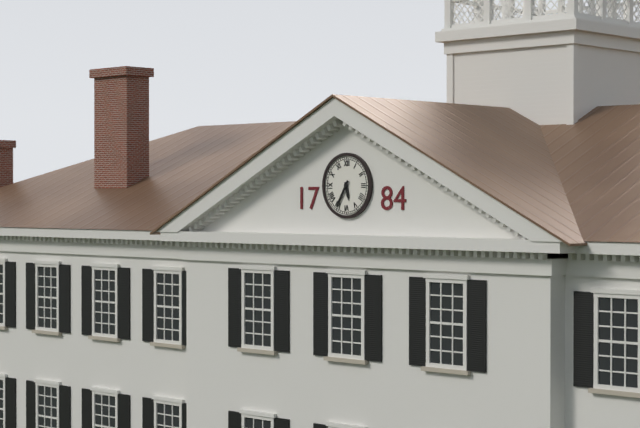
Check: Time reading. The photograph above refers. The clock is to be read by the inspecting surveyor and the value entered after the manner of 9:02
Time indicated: 5:35
